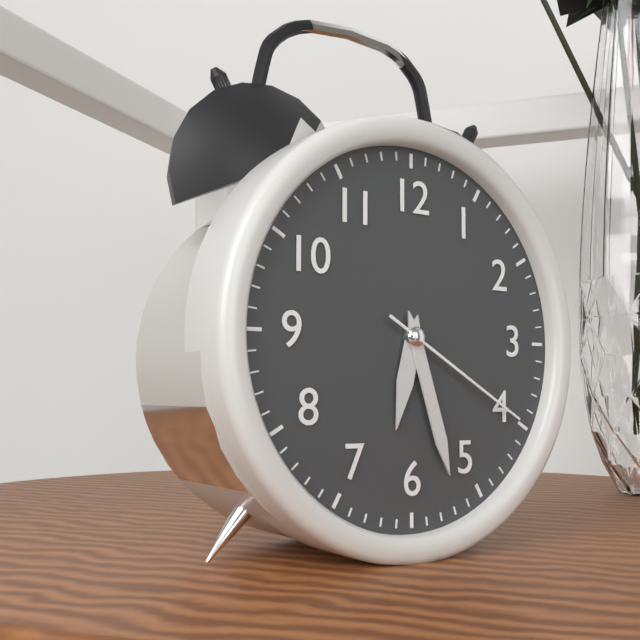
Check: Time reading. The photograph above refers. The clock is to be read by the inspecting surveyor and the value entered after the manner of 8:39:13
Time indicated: 6:27:20
